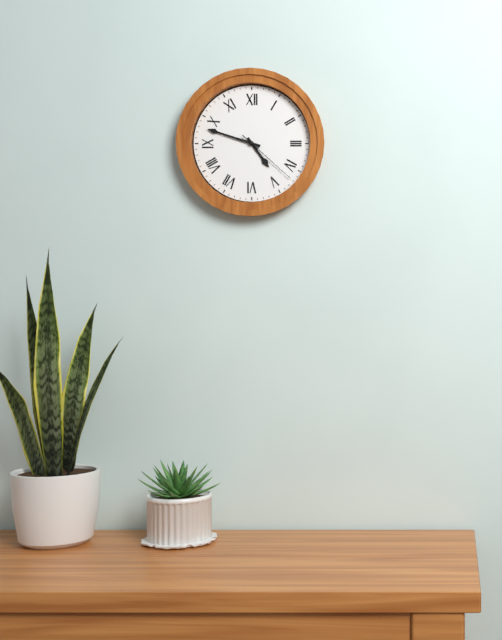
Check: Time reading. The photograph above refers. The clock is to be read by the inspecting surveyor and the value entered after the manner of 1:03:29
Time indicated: 4:48:22
